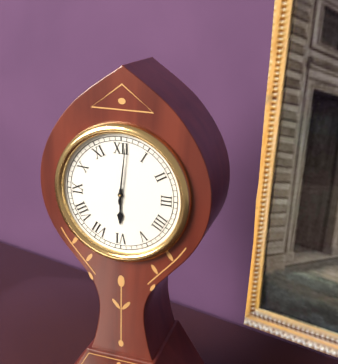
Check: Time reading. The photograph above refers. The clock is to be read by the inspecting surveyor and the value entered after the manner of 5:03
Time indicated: 6:01
